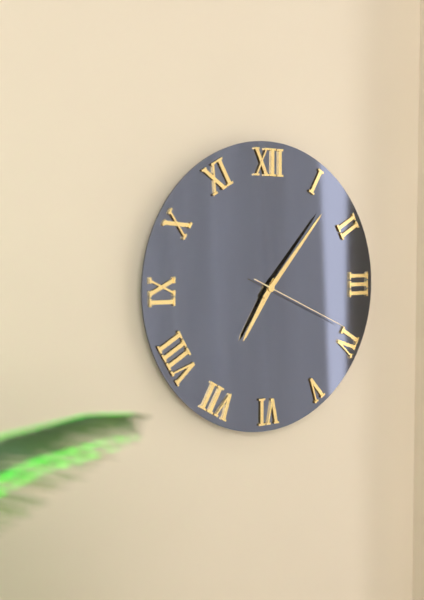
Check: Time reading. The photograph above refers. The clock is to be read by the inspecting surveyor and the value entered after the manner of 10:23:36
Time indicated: 7:07:19
